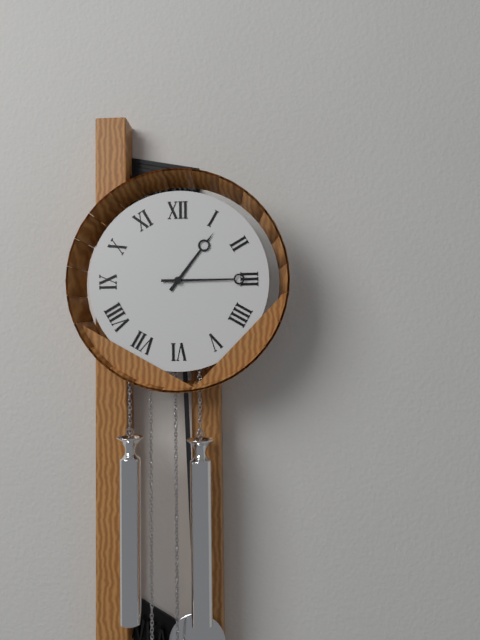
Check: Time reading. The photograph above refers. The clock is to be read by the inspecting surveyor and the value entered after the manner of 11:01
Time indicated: 1:15
